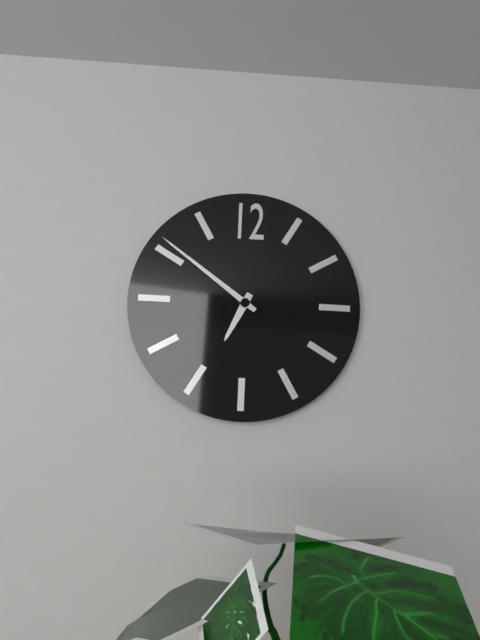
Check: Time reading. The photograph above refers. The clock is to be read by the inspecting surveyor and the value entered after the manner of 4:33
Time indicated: 6:51
